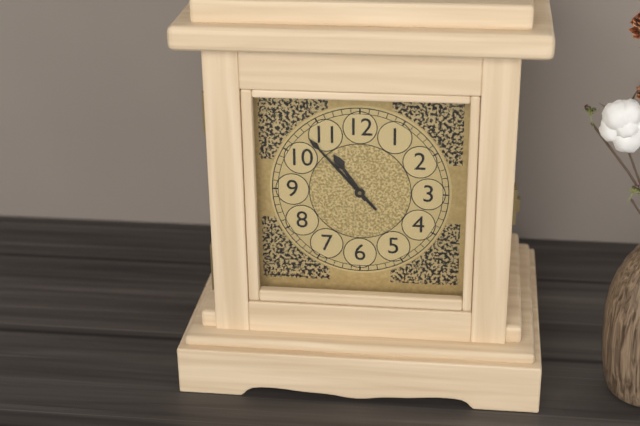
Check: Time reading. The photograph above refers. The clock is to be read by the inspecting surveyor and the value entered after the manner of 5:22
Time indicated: 10:53
